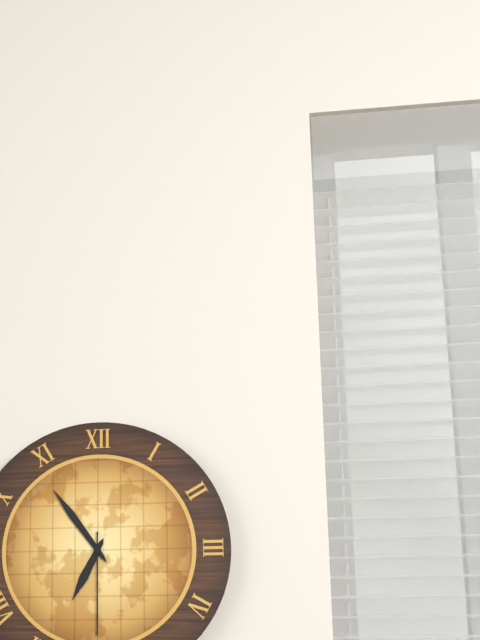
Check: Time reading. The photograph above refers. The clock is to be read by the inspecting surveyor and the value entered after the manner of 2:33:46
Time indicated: 6:54:30
